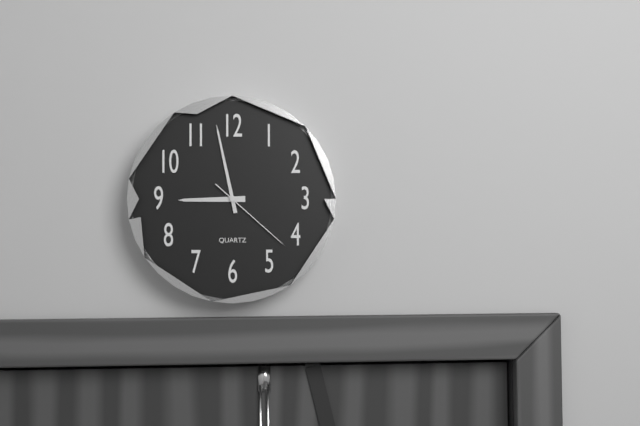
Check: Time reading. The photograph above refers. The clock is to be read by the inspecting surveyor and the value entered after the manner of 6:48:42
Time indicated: 8:58:22
